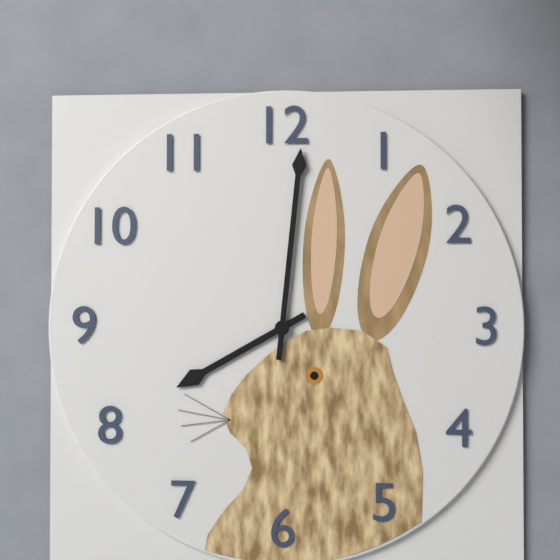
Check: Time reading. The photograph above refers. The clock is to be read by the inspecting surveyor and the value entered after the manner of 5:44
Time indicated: 8:01
